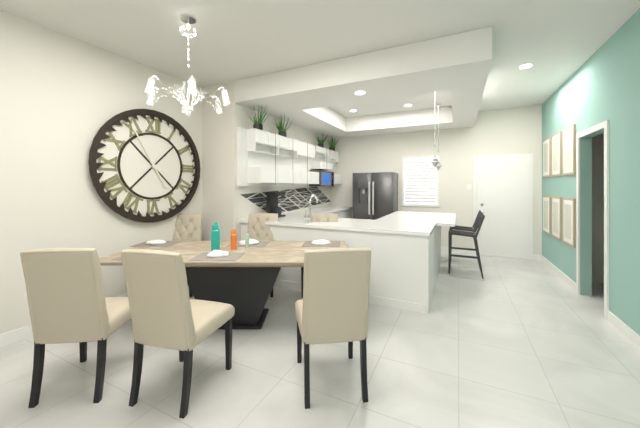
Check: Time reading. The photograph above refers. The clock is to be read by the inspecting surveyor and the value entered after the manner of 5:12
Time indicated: 4:55
